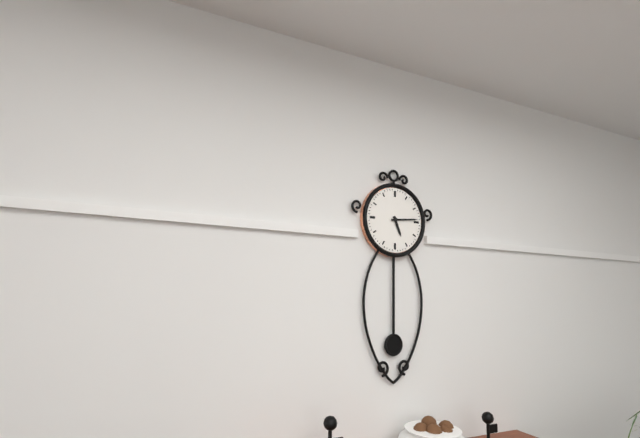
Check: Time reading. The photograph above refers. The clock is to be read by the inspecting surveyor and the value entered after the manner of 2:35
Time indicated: 5:14
